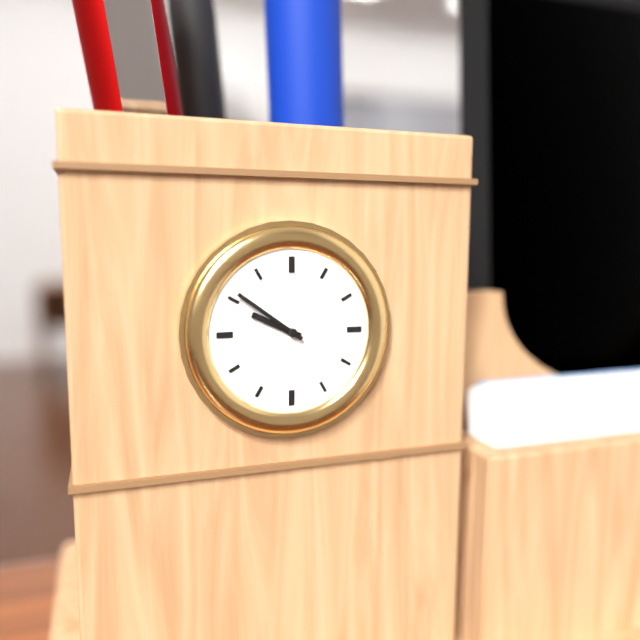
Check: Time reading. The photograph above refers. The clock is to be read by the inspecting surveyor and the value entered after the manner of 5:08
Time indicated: 9:51
